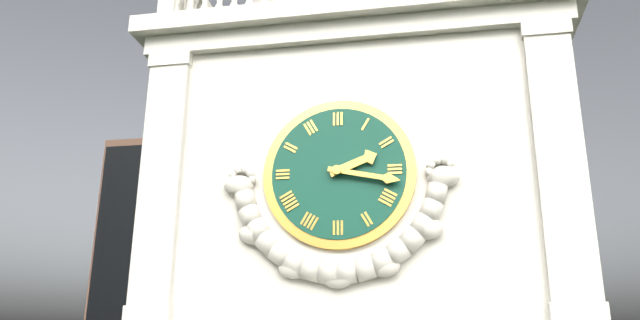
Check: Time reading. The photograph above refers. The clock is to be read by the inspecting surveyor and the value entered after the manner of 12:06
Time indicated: 2:17
